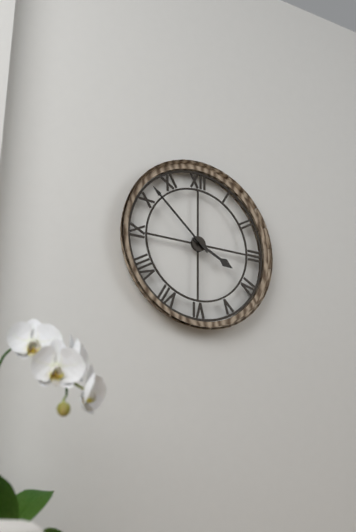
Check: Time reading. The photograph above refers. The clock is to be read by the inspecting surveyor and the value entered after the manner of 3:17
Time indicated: 3:52
